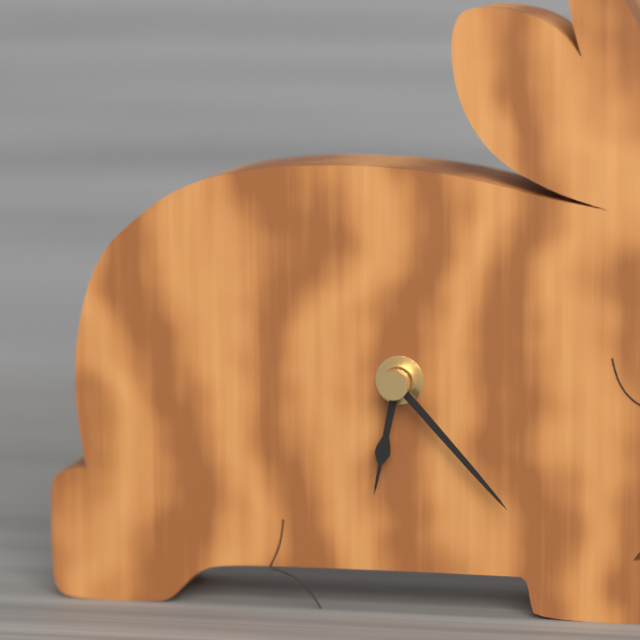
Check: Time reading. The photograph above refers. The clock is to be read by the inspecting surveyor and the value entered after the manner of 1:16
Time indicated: 6:23
